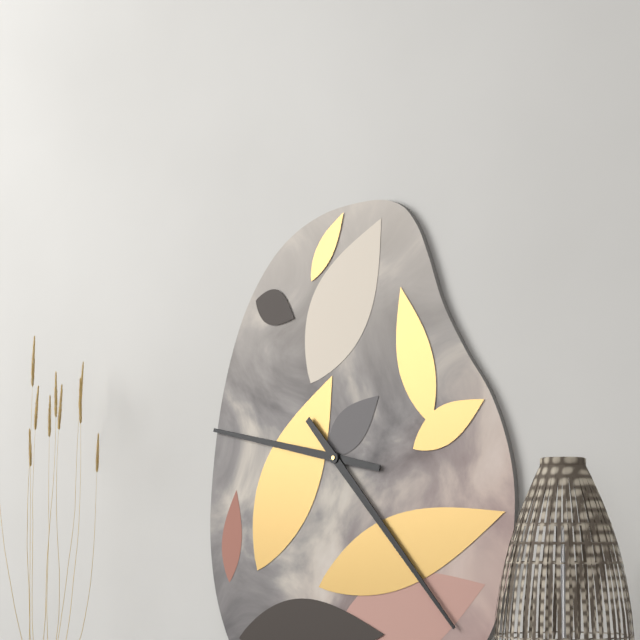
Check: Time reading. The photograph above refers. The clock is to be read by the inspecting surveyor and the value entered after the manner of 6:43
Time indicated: 9:23
